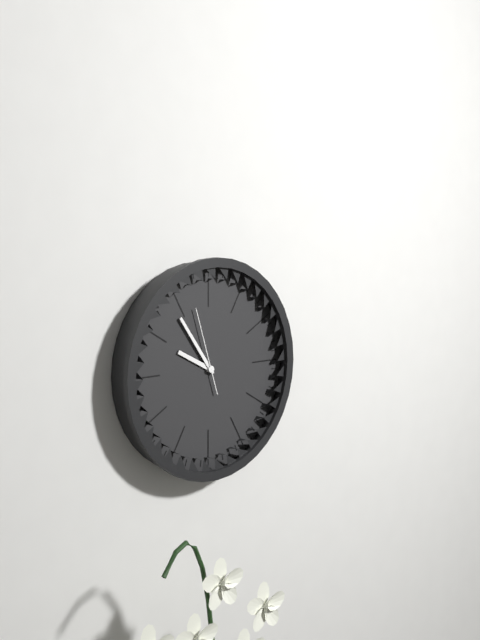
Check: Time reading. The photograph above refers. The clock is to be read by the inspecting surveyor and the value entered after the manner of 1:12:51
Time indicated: 9:54:57
